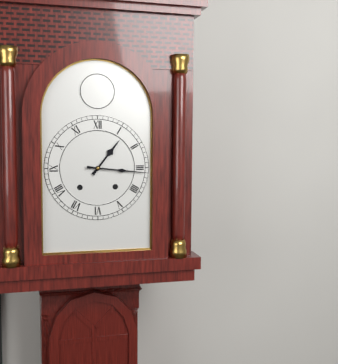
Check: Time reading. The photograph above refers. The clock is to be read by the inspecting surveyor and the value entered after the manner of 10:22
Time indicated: 1:16
